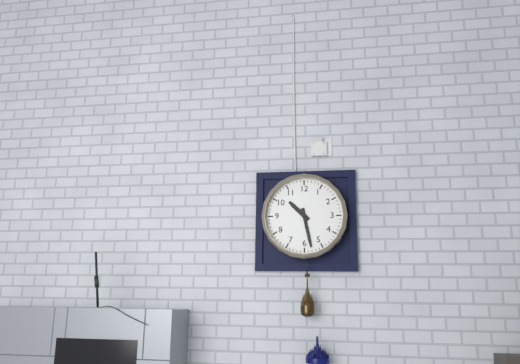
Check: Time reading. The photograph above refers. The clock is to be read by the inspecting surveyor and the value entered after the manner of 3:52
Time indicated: 10:28
